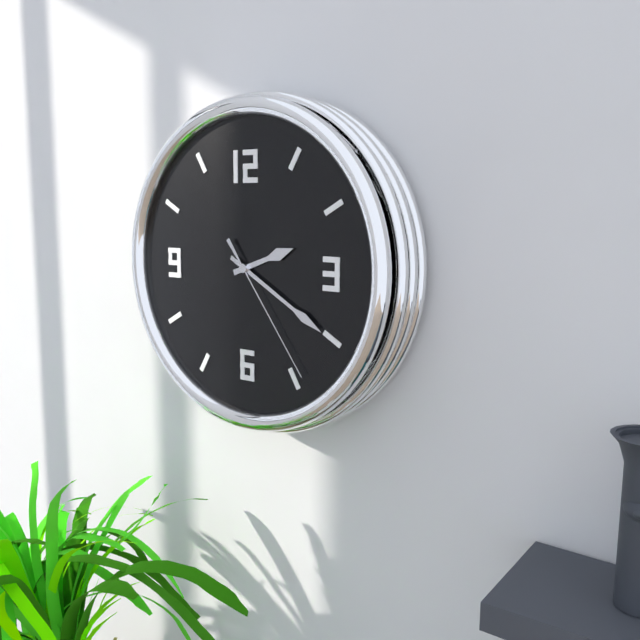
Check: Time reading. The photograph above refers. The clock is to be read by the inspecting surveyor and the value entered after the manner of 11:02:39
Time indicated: 2:20:24
